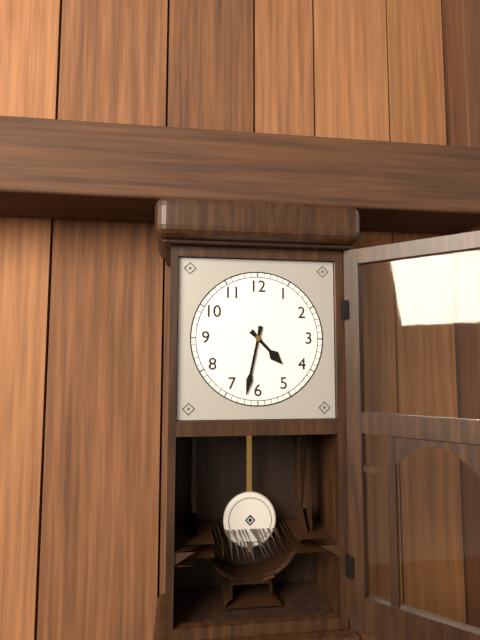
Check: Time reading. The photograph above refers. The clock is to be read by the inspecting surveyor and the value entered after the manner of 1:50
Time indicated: 4:32
